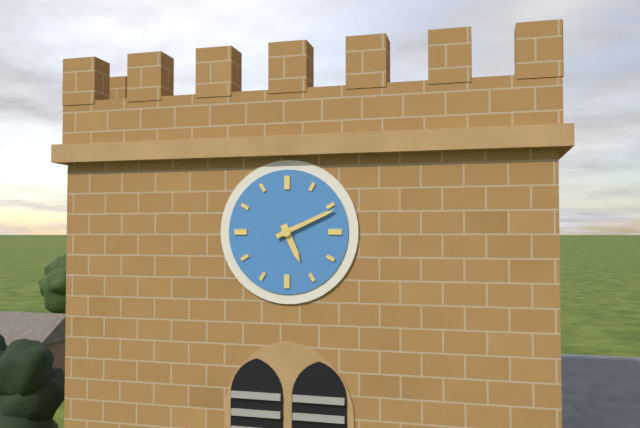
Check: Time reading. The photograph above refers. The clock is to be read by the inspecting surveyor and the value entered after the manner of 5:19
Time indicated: 5:11
